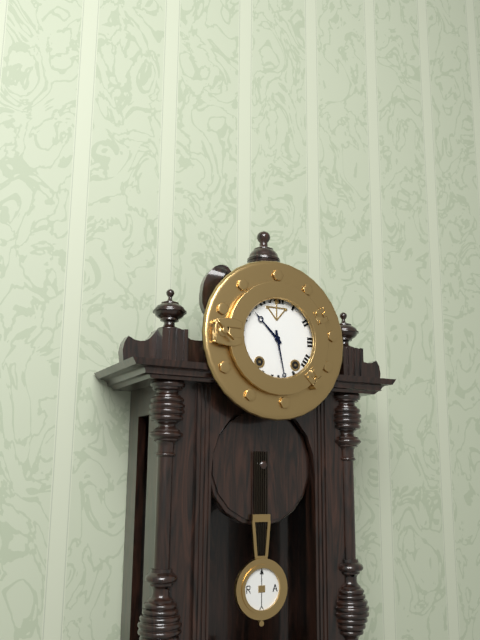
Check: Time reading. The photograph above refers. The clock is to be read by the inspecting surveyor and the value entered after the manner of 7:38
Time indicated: 10:28
